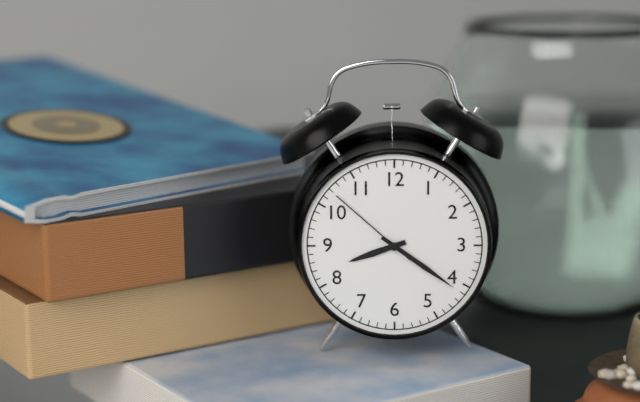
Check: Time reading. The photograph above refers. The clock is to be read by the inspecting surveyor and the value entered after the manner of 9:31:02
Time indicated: 8:21:52
